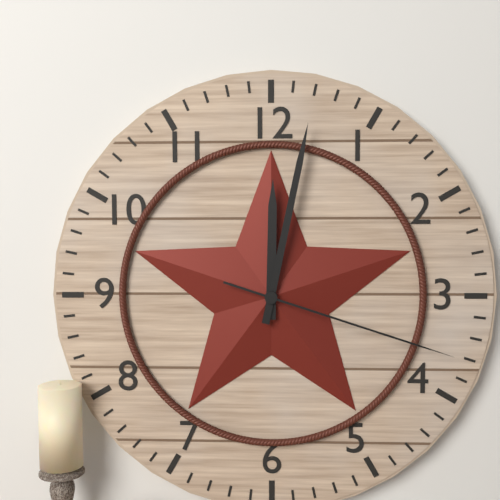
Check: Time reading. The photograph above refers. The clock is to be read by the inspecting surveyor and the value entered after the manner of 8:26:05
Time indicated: 12:02:18
